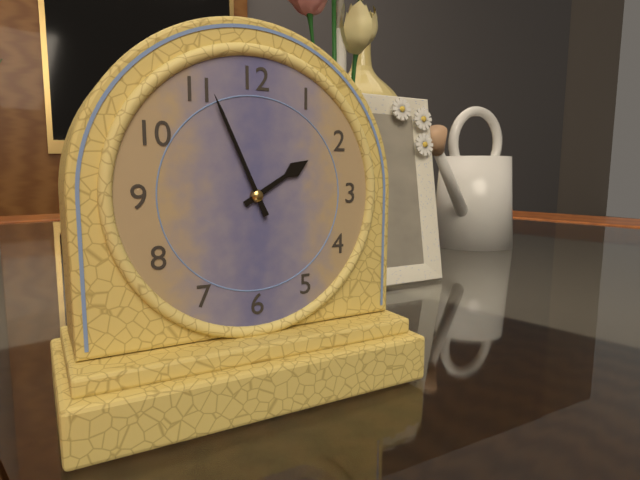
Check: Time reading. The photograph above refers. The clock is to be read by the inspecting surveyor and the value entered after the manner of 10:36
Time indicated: 1:56
